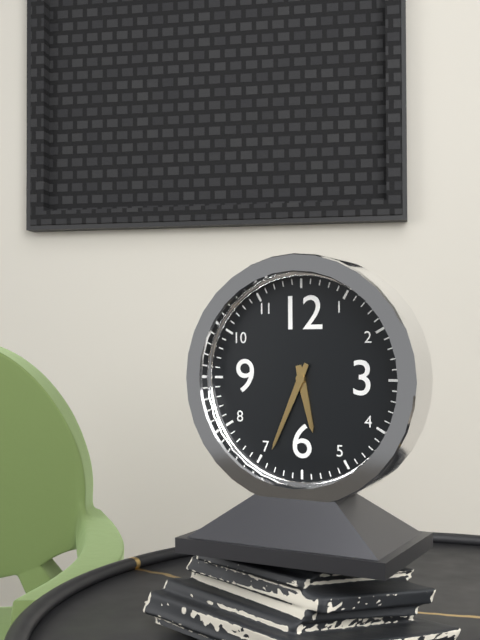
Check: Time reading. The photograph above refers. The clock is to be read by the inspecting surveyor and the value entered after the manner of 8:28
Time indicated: 5:34
